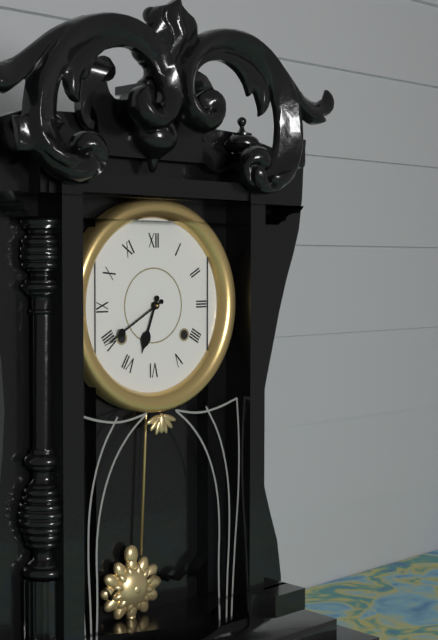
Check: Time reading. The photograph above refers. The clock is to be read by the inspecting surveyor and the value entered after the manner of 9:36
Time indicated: 6:40
